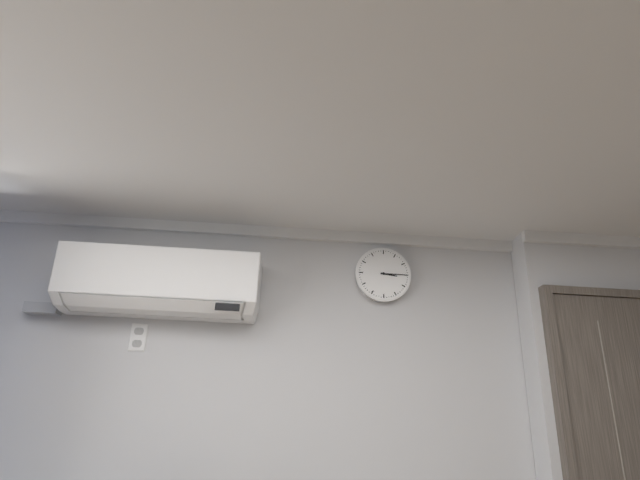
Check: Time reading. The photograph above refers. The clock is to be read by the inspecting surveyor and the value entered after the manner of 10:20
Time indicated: 3:15
